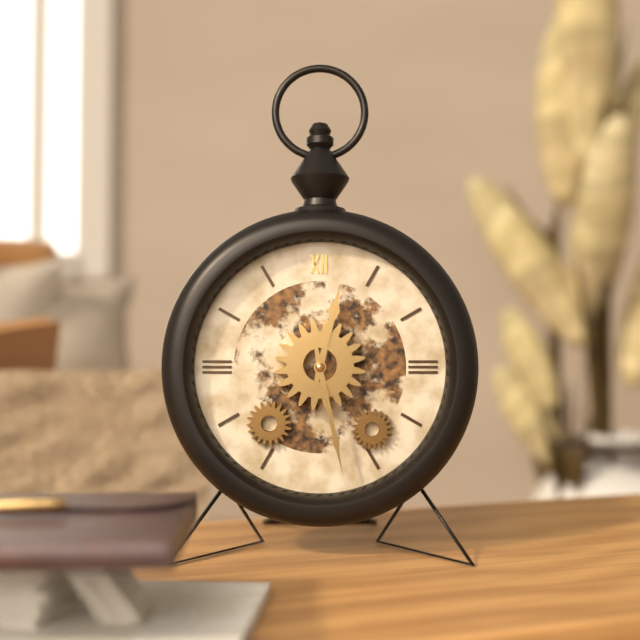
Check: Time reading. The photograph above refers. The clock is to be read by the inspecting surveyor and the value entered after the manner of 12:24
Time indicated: 12:28
